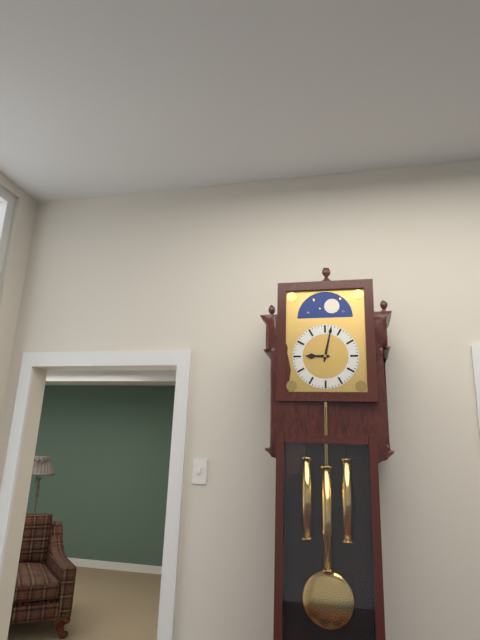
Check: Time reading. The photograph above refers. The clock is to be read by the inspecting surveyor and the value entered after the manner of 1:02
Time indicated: 9:02
